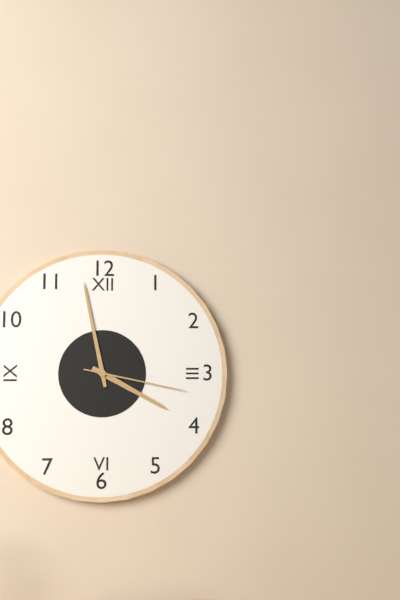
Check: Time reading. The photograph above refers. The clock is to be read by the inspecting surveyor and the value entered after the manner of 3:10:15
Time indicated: 3:58:17
